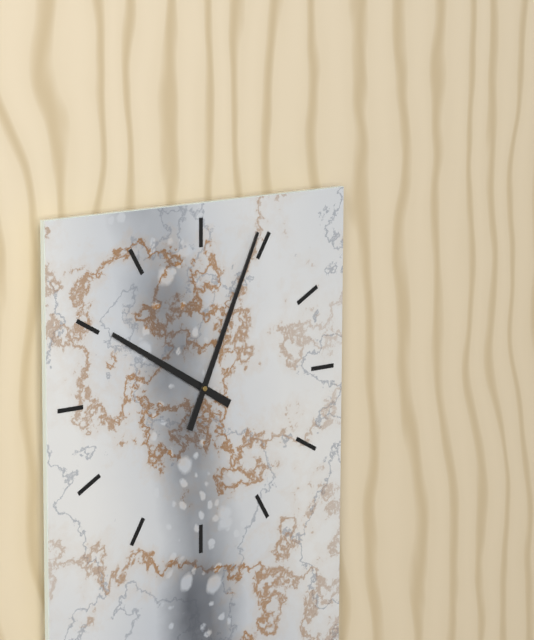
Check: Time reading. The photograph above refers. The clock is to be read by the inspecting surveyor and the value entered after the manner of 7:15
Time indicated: 10:04
